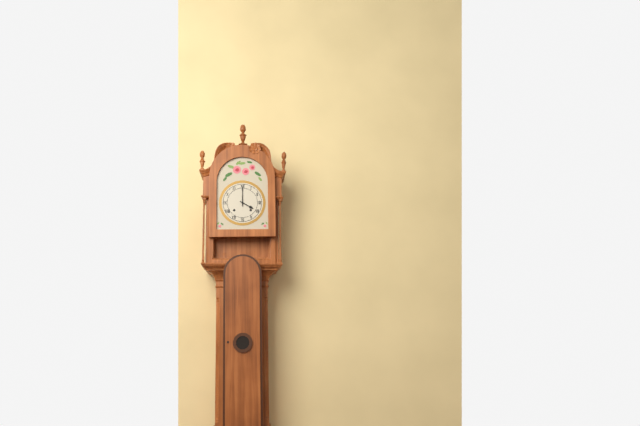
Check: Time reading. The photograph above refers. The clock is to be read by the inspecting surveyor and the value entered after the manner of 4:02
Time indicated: 4:00
